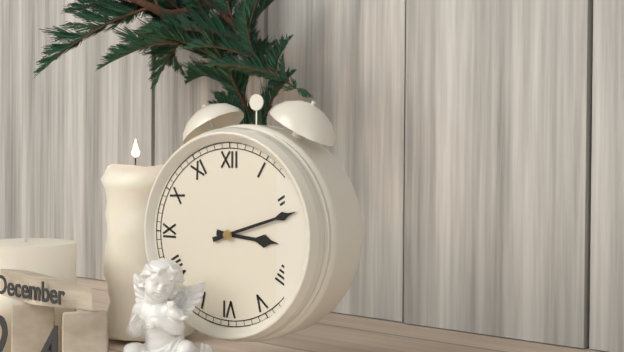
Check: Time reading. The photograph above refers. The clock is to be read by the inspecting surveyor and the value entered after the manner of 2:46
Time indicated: 3:12
